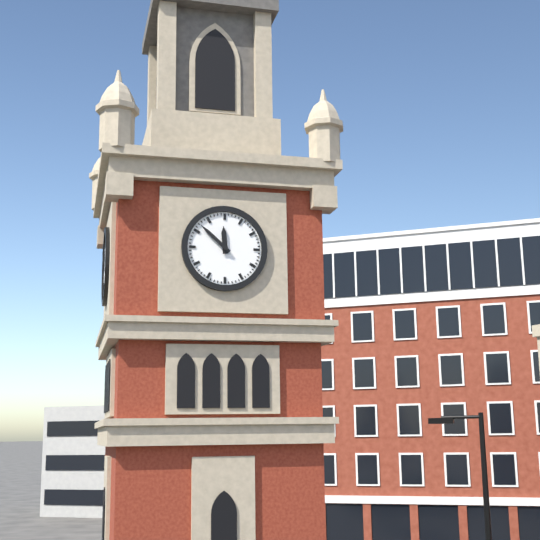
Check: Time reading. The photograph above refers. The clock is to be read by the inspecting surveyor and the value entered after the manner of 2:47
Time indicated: 11:52
